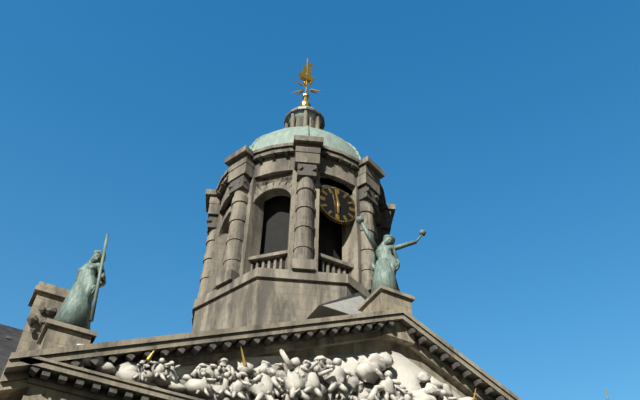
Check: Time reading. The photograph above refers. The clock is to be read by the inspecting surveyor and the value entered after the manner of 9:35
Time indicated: 5:58
